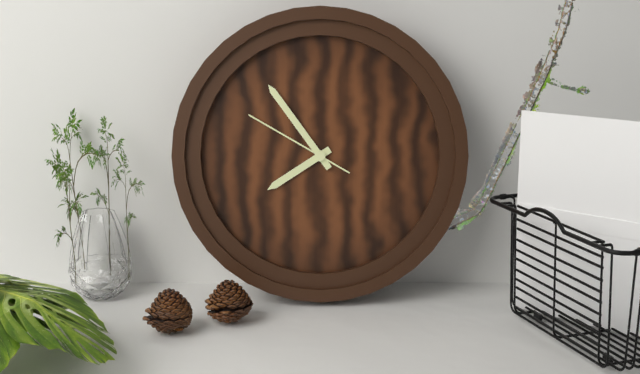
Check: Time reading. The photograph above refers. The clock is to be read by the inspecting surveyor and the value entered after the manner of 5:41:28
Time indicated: 7:54:50
